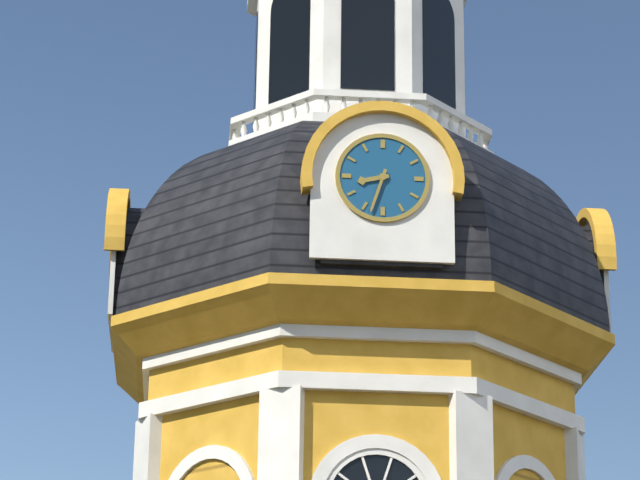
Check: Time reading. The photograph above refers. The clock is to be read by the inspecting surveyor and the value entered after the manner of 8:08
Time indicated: 8:33
